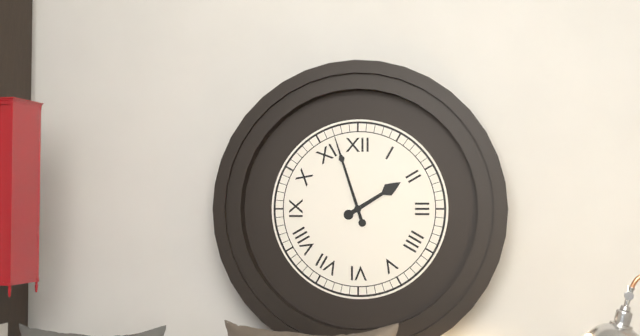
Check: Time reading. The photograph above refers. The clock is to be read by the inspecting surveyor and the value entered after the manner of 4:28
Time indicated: 1:57
